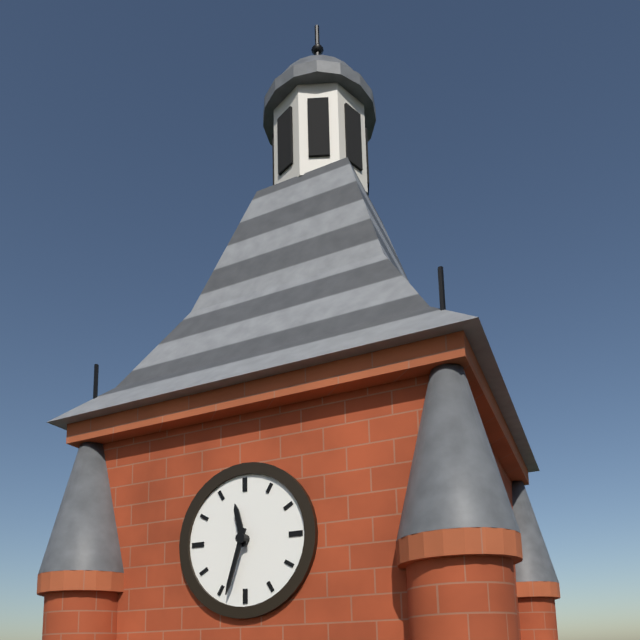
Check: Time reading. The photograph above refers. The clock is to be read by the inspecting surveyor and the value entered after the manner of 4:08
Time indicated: 11:33
